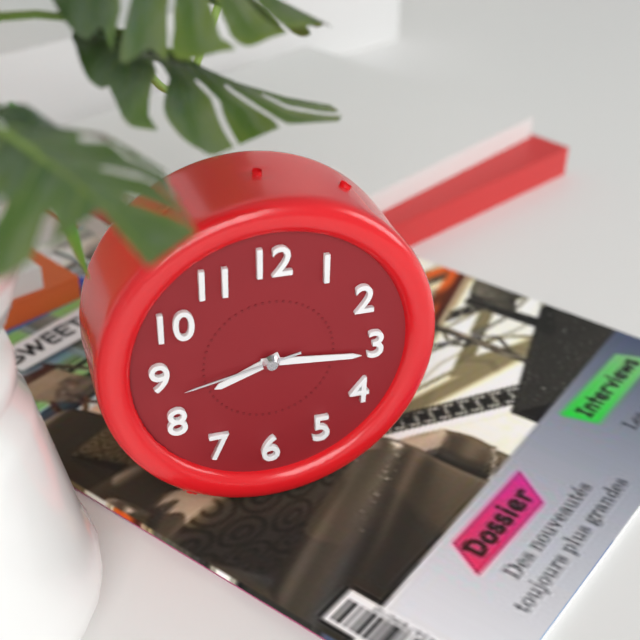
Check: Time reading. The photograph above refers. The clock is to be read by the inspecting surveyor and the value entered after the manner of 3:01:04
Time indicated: 8:16:43
